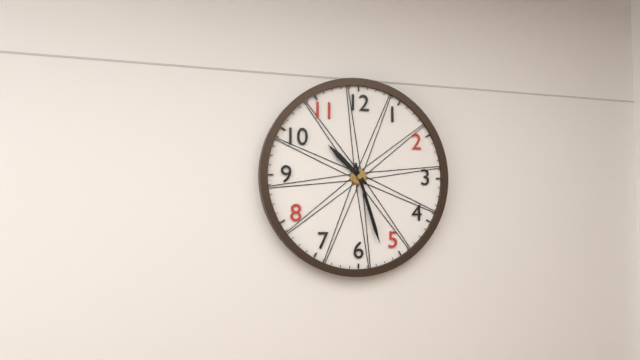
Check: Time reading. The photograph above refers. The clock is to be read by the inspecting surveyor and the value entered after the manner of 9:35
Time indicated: 10:27
